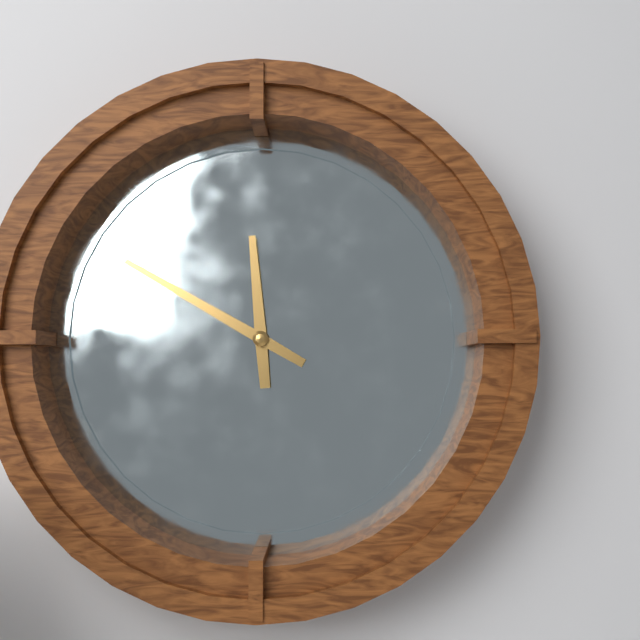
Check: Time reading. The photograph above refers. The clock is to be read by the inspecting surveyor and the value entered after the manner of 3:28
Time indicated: 11:50
